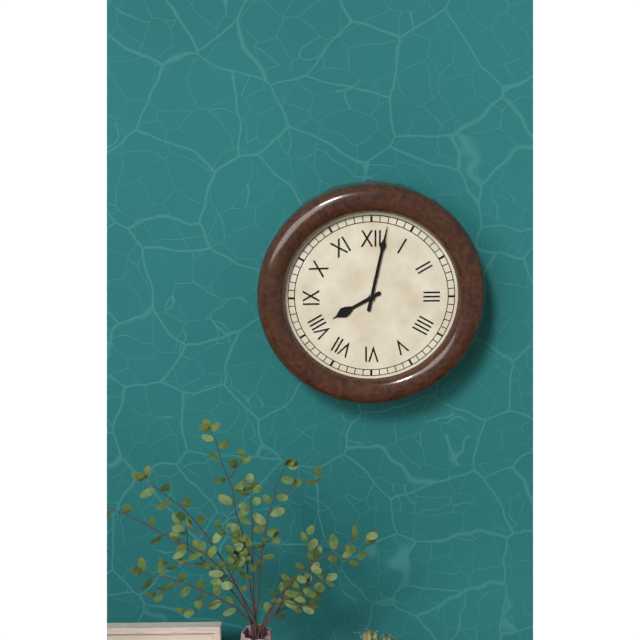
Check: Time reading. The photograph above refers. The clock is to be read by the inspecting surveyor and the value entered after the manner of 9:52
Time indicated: 8:02
